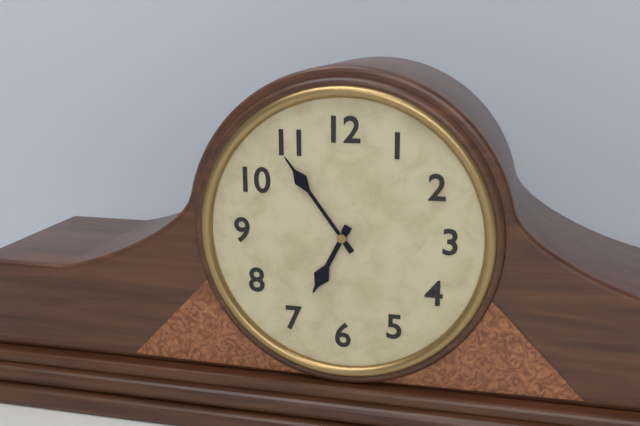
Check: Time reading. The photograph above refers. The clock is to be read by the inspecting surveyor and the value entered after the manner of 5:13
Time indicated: 6:54
